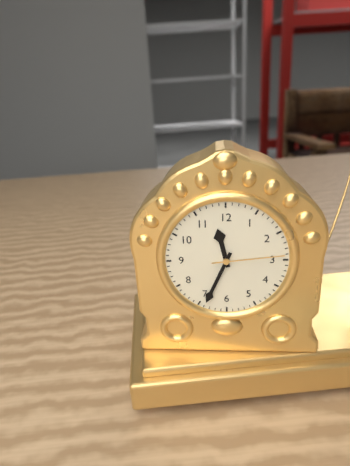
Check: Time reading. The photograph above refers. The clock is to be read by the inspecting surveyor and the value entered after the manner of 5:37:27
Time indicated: 11:34:14
